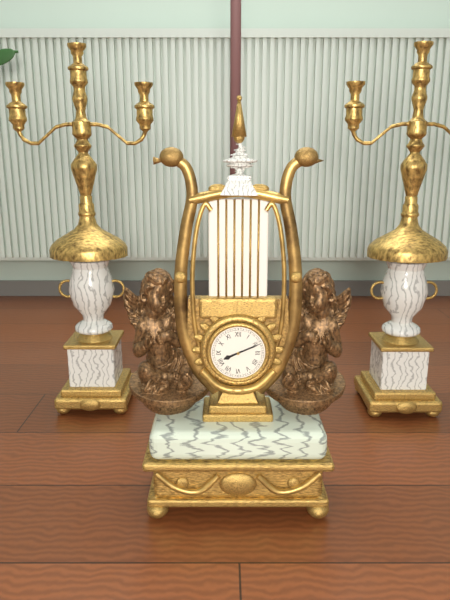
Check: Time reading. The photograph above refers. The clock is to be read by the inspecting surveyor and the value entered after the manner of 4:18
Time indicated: 8:11
